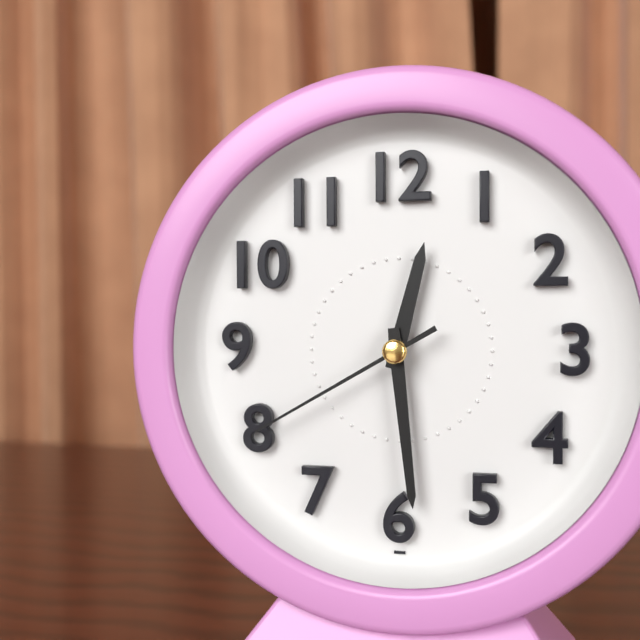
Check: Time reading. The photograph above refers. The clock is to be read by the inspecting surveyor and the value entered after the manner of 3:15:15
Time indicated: 12:29:40
